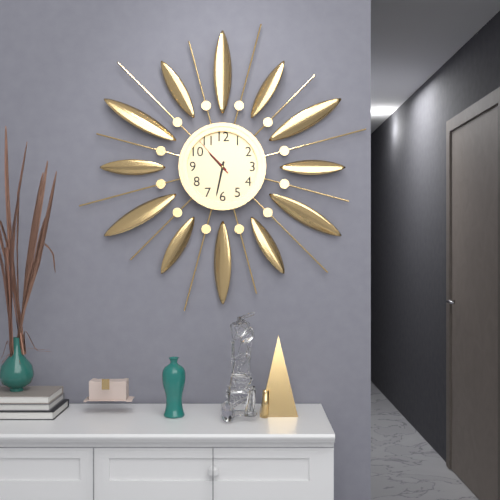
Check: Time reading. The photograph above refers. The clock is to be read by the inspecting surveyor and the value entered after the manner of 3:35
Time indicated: 10:32
